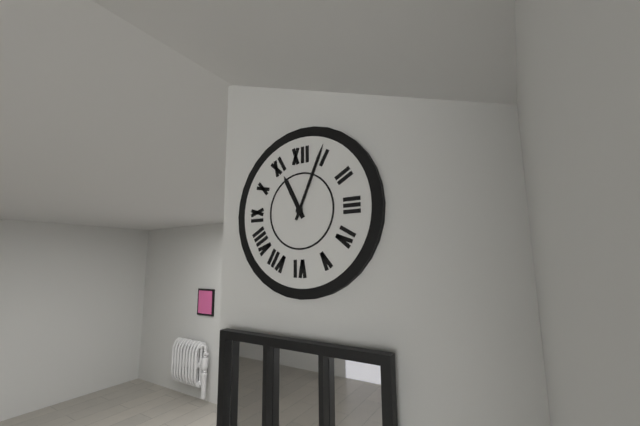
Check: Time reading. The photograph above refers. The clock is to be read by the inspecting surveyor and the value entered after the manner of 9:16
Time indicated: 11:04
